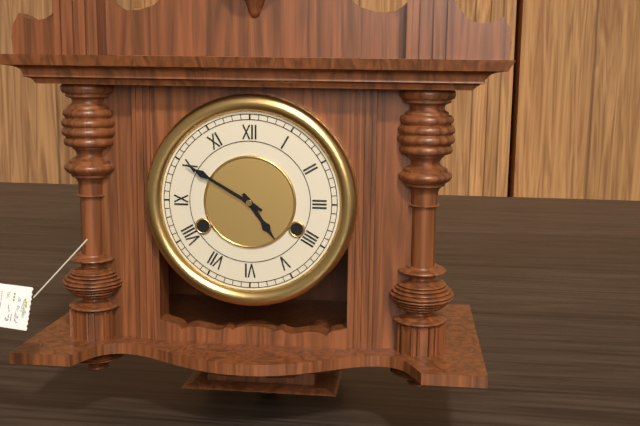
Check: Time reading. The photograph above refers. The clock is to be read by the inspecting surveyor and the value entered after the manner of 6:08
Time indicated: 4:50
